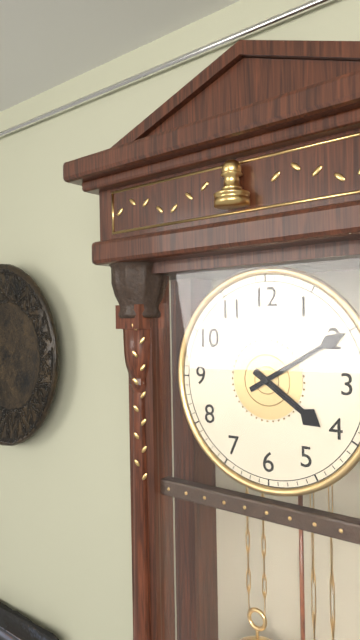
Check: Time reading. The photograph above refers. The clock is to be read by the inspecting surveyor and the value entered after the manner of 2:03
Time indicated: 4:10
